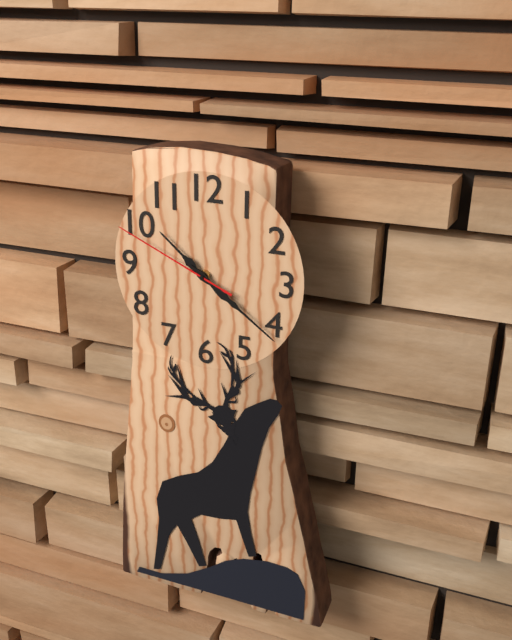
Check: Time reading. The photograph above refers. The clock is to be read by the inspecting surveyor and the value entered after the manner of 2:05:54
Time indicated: 10:21:49
